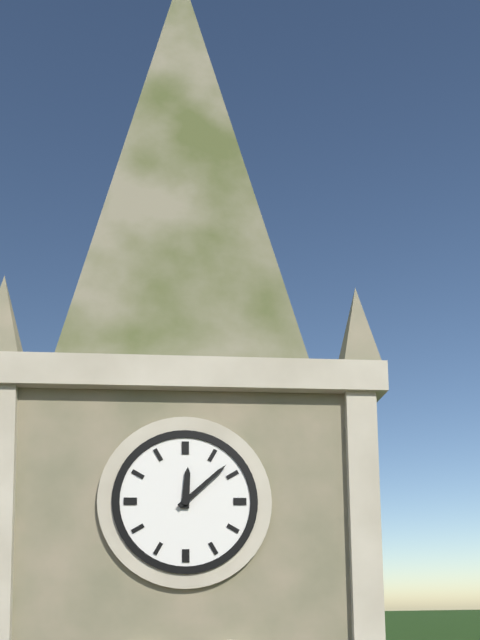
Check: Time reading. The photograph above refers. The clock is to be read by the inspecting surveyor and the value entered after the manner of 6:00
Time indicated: 12:08
